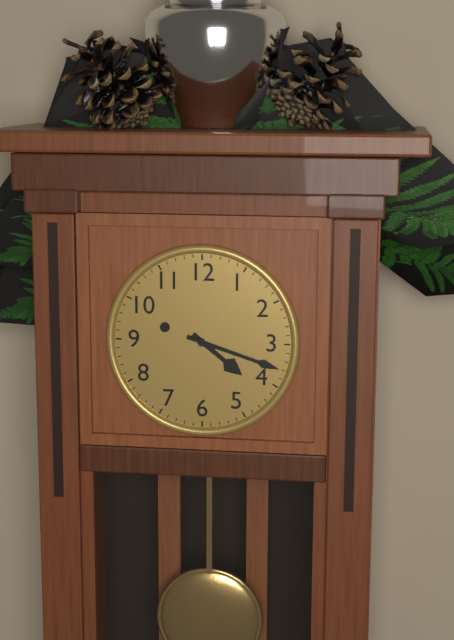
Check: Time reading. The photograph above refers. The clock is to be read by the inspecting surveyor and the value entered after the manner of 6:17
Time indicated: 4:18
